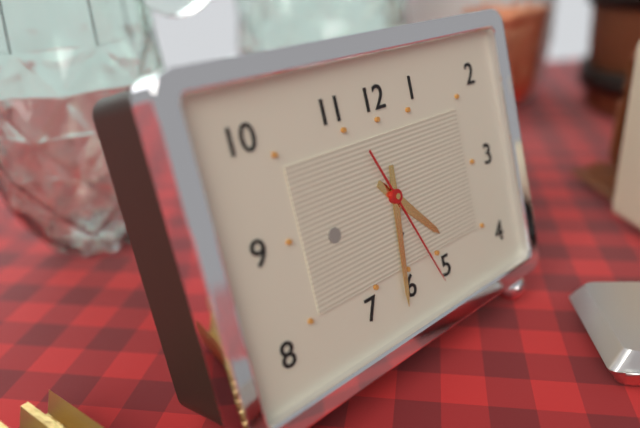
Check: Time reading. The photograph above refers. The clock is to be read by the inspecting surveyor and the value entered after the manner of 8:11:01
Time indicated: 4:31:26
